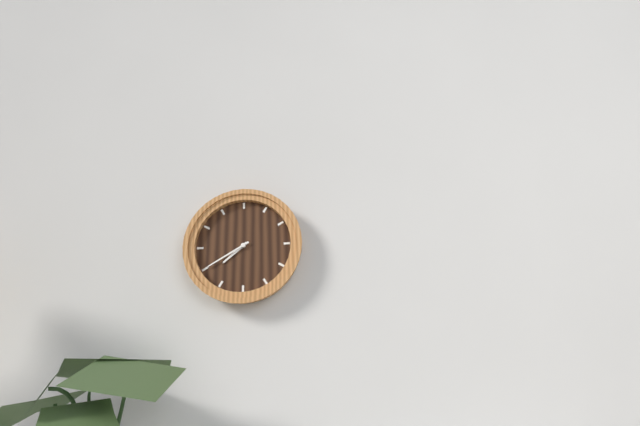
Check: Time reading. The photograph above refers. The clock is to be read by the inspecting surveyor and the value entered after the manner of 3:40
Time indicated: 7:40
